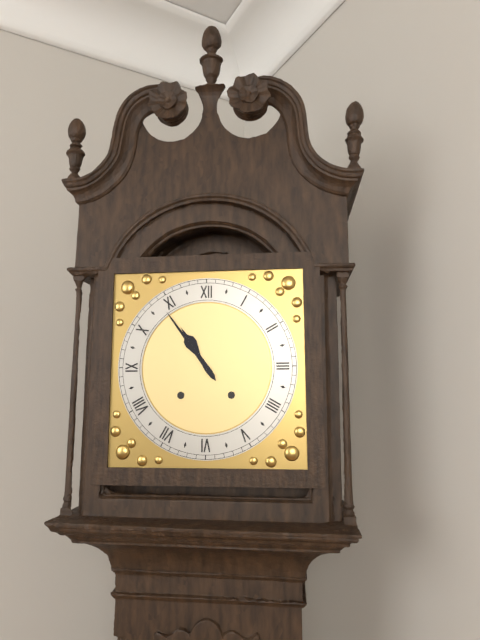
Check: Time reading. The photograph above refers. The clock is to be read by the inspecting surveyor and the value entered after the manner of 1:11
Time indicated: 10:54
